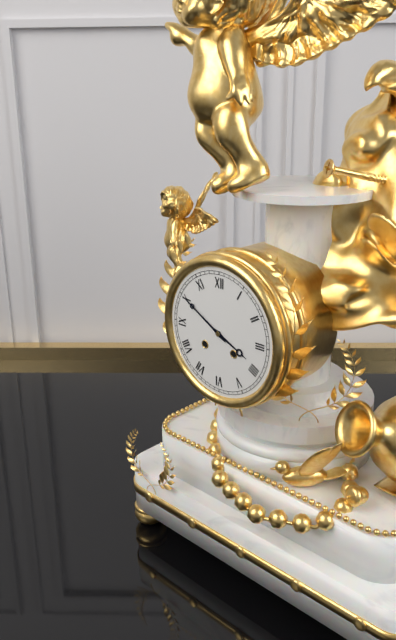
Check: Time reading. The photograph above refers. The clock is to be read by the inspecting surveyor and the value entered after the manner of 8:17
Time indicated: 3:50
